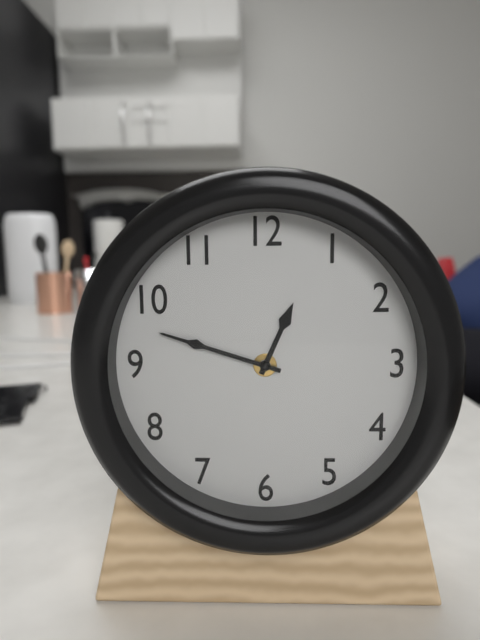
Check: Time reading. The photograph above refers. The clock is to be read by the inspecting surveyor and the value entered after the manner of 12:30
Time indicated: 12:48
